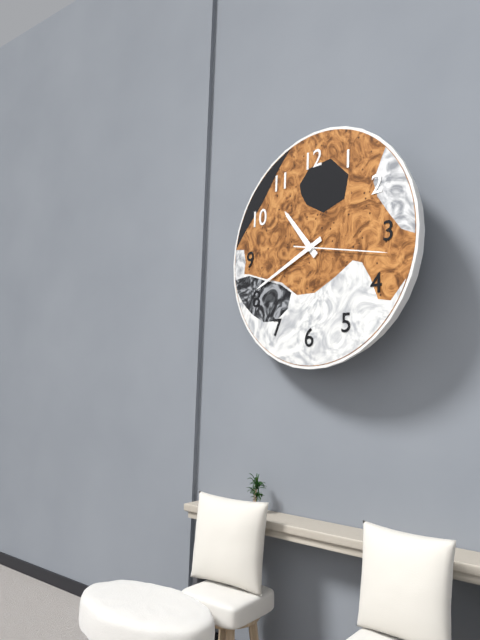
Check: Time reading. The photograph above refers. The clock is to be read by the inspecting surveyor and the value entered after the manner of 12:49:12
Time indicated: 10:41:17
